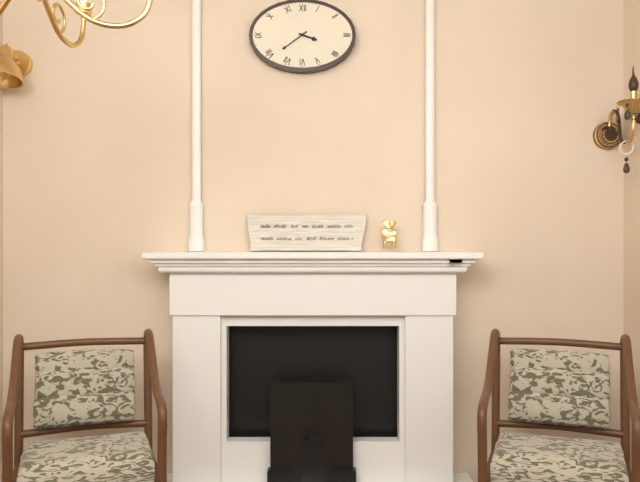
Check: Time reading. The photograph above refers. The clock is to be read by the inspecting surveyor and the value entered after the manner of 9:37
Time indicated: 3:39
